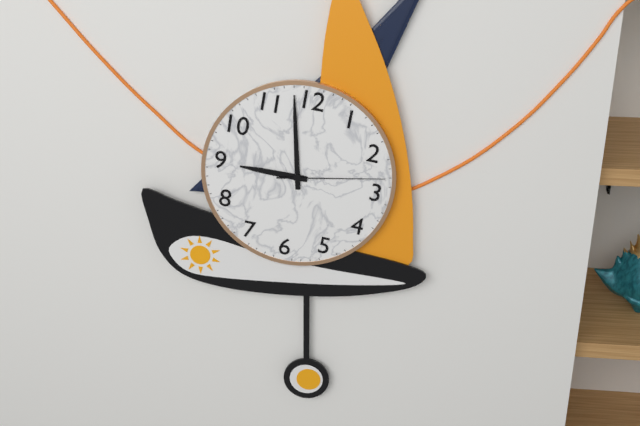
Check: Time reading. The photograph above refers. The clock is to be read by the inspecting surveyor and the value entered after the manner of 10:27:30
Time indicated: 8:58:13
